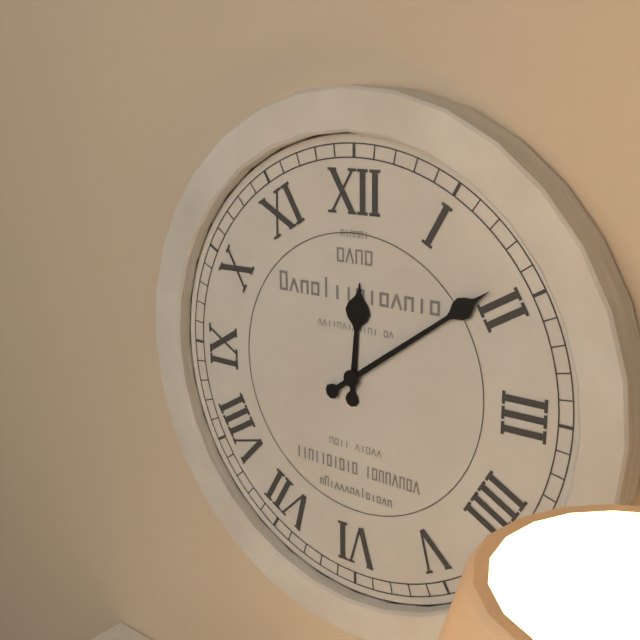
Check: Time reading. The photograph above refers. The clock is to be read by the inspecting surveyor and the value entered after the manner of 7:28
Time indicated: 12:09
